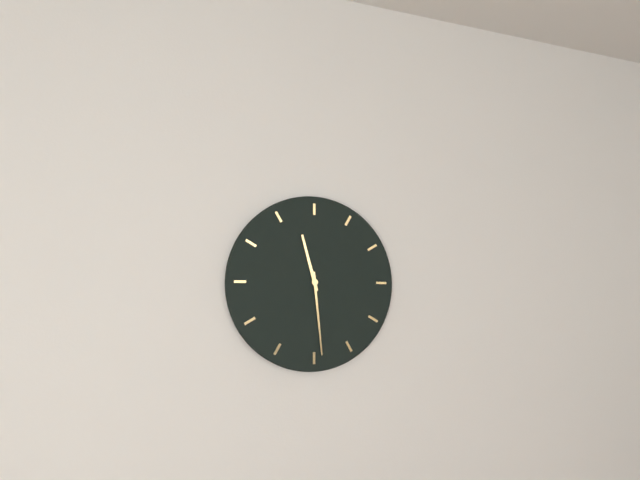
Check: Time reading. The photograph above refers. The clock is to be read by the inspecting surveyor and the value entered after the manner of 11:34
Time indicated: 11:29
